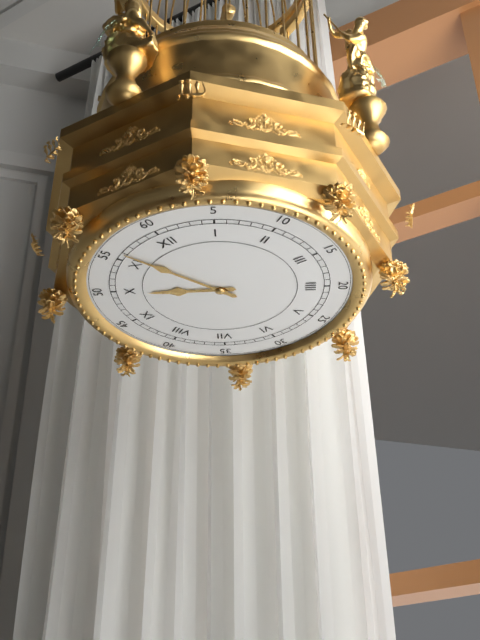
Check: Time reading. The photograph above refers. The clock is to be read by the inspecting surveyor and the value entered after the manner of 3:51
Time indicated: 9:56
